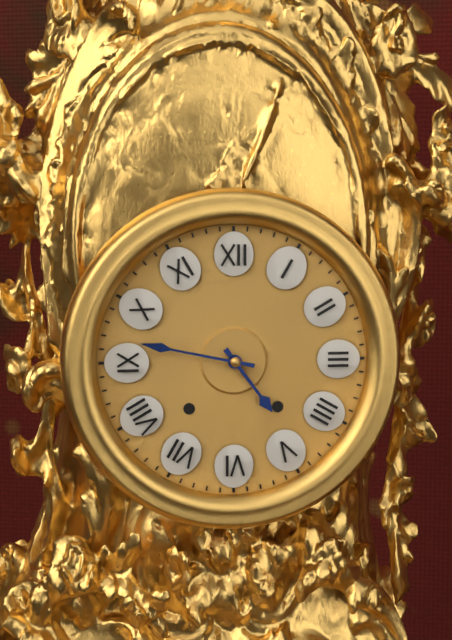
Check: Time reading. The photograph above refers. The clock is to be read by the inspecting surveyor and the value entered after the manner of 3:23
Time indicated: 4:47
